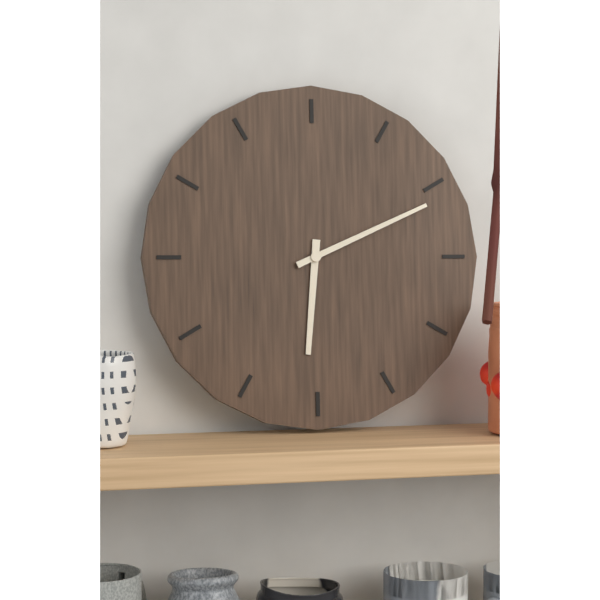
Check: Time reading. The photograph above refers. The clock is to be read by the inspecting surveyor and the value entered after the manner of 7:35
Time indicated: 6:11
